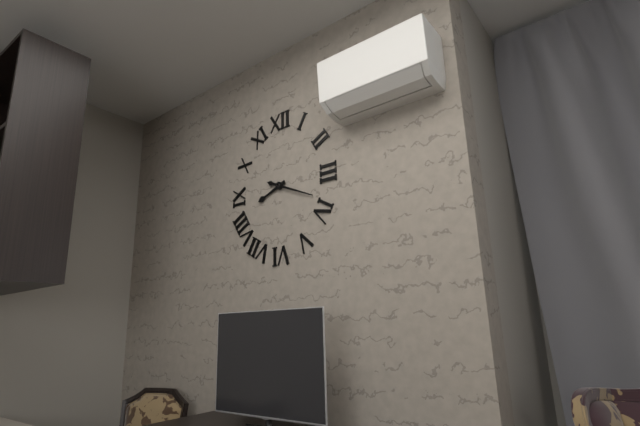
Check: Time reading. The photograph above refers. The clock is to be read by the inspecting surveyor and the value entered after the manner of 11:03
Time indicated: 8:19
